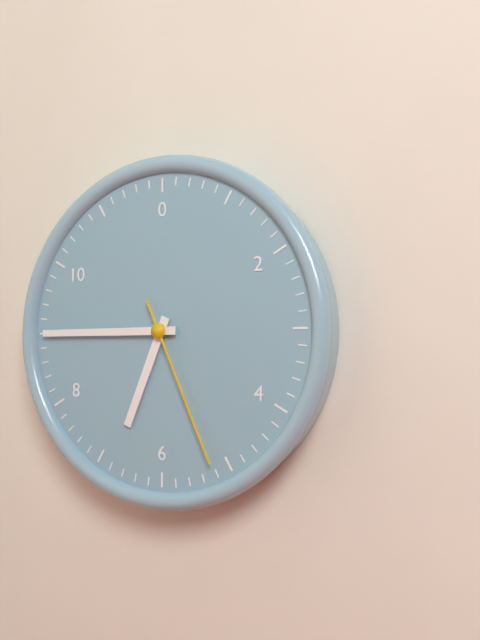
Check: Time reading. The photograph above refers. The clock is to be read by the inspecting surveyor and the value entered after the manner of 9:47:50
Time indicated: 6:45:26
